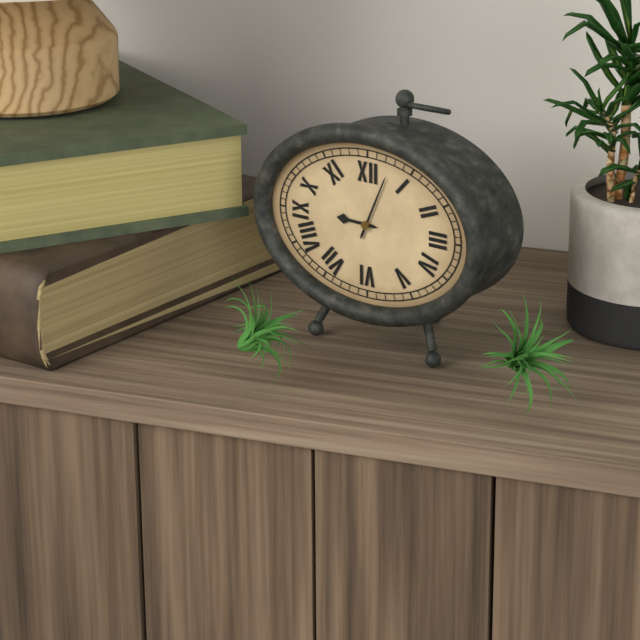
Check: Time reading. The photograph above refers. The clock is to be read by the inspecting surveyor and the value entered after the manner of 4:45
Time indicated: 9:04
